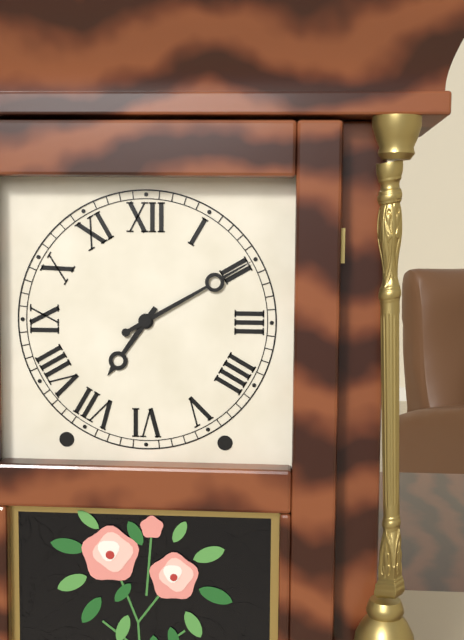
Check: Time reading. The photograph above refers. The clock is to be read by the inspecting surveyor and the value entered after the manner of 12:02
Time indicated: 7:10
